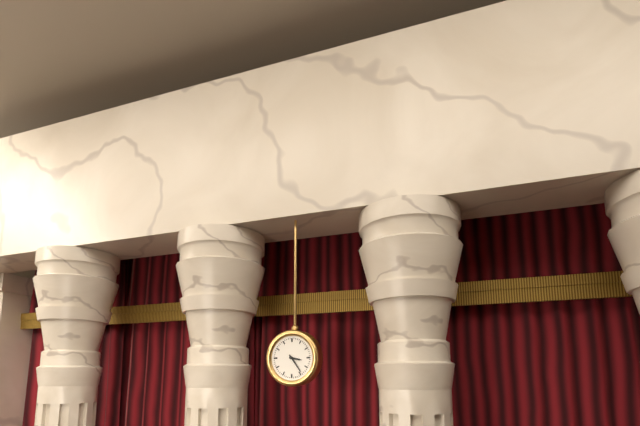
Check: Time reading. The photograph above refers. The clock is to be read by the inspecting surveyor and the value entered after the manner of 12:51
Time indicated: 3:24
